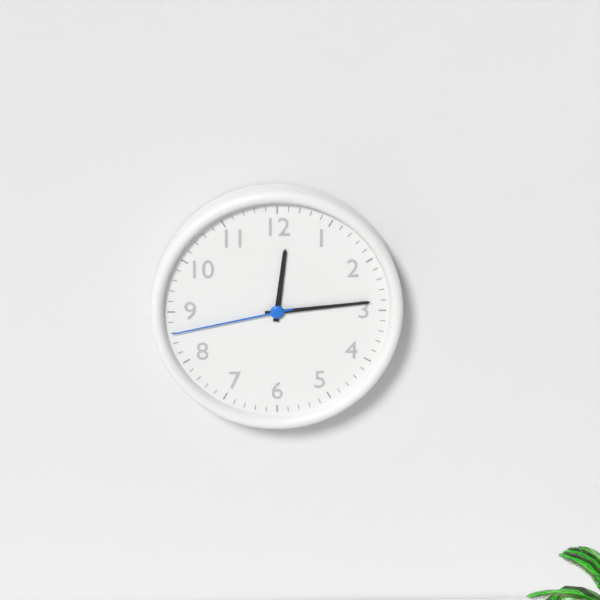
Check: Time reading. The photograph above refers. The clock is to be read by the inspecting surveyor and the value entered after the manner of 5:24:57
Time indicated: 12:14:43
